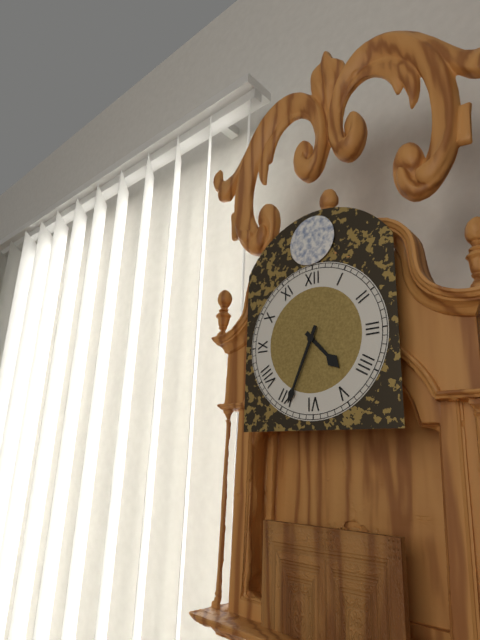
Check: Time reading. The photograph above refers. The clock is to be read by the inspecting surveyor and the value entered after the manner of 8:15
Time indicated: 4:34
